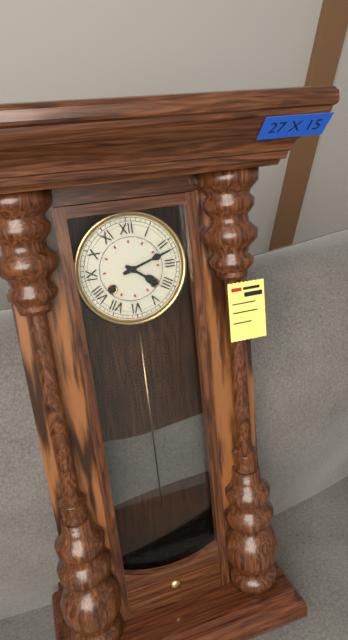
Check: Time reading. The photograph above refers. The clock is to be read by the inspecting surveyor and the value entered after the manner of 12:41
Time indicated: 4:12
